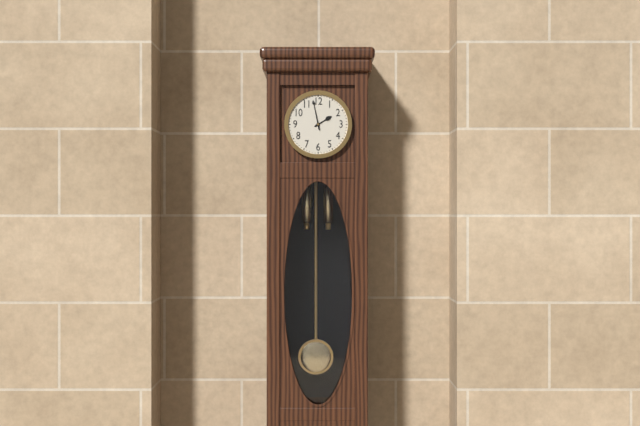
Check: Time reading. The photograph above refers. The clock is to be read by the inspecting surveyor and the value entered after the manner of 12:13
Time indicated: 1:58
